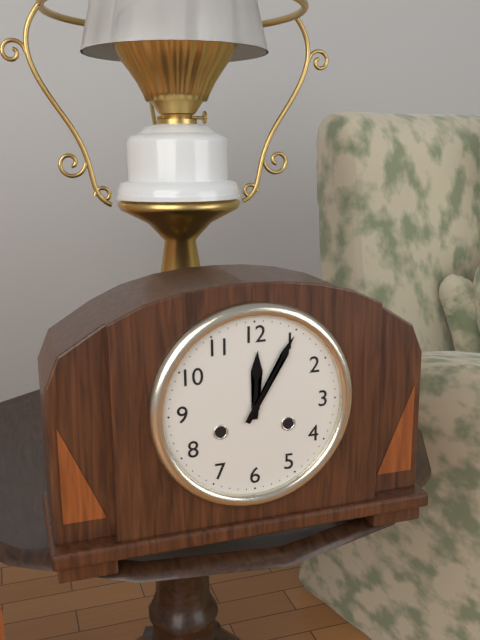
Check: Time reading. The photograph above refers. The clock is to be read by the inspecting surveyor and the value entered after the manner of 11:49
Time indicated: 12:05
